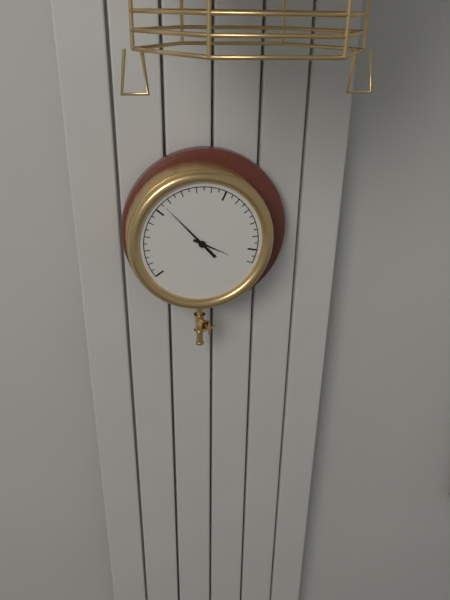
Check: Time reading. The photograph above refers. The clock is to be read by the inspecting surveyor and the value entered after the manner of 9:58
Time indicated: 3:53
